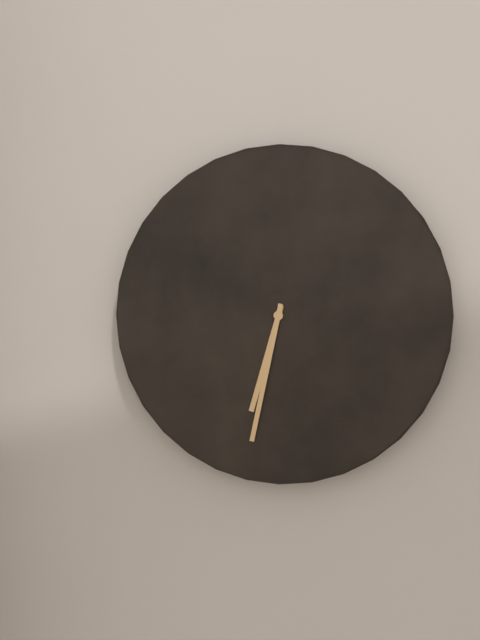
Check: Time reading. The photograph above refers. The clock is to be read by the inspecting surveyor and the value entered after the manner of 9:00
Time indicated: 6:32
